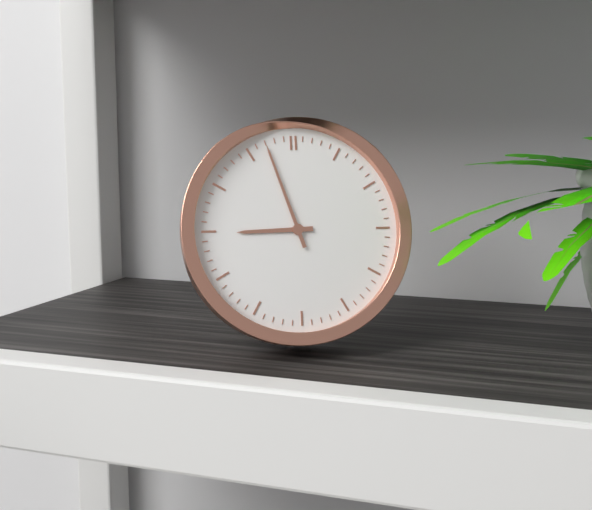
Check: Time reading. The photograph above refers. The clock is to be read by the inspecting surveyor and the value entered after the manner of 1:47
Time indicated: 8:57
